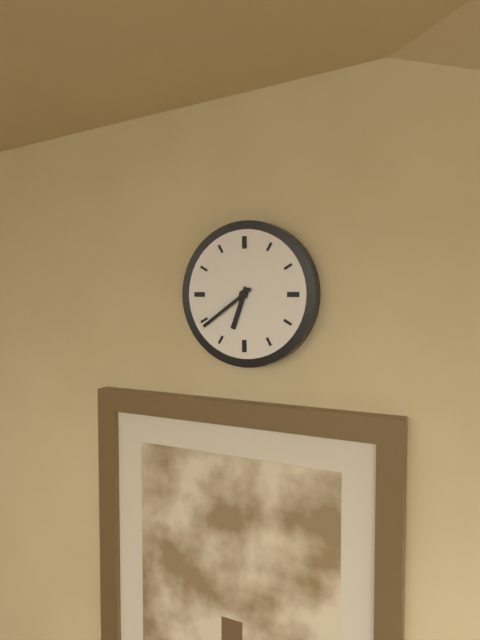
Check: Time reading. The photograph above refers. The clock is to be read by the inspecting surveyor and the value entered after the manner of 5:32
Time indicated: 6:39
